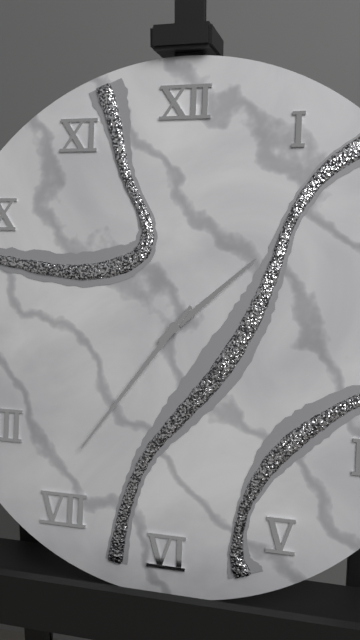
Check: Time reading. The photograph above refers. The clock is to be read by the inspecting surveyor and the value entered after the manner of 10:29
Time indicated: 1:36
